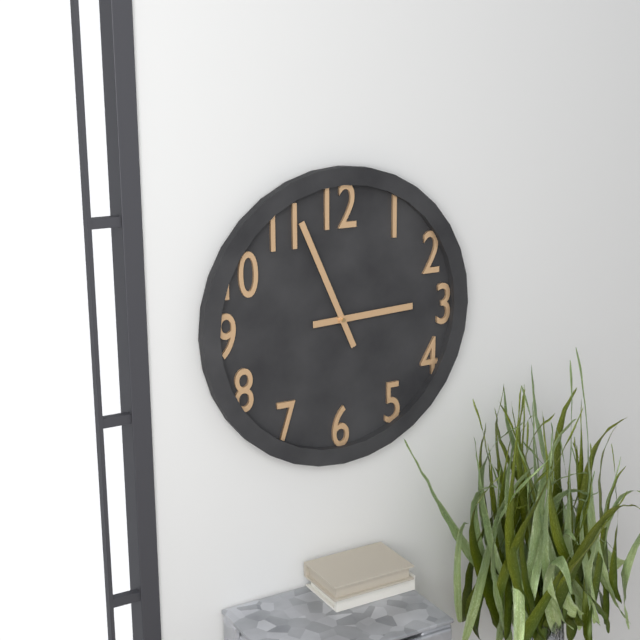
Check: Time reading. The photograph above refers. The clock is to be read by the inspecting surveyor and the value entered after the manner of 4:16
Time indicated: 2:56
